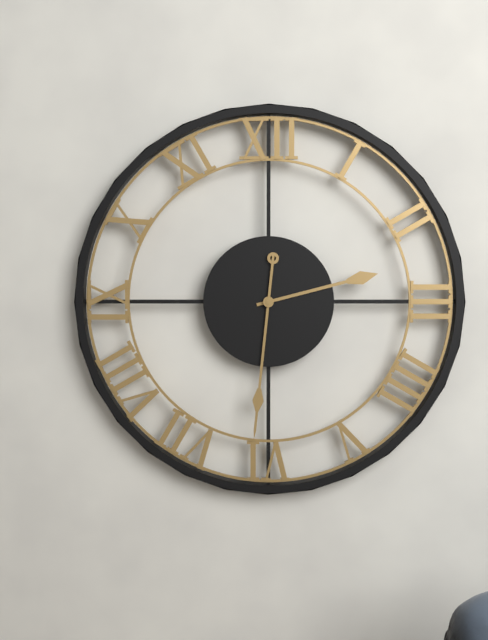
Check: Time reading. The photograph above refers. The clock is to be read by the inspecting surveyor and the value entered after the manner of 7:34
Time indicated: 2:31
